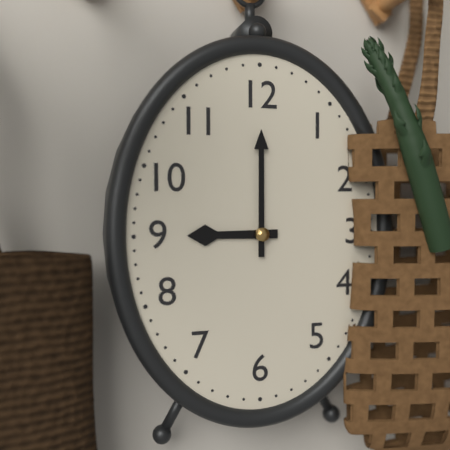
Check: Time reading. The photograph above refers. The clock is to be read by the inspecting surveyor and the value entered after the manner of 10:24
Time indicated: 9:00
